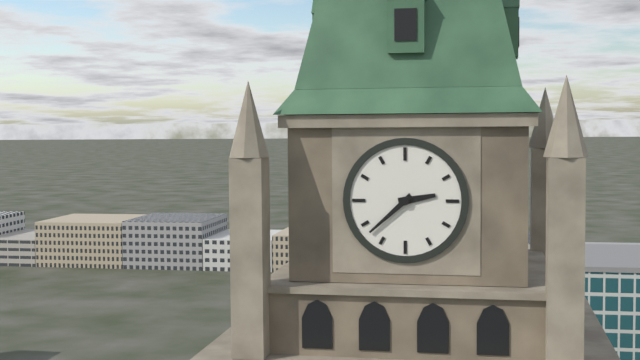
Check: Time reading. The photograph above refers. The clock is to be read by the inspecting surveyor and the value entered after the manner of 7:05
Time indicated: 2:38
